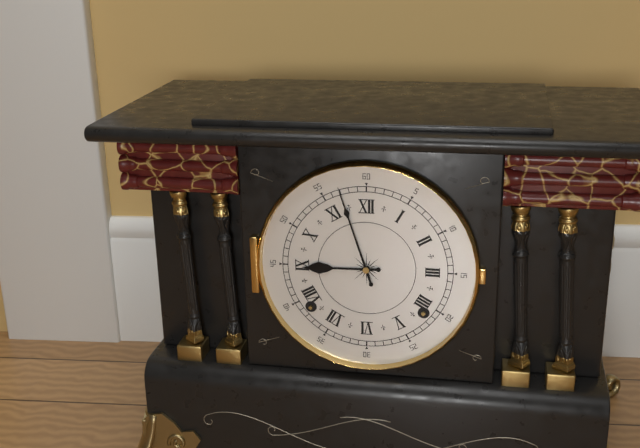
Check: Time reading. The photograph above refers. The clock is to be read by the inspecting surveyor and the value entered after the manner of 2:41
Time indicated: 8:57
